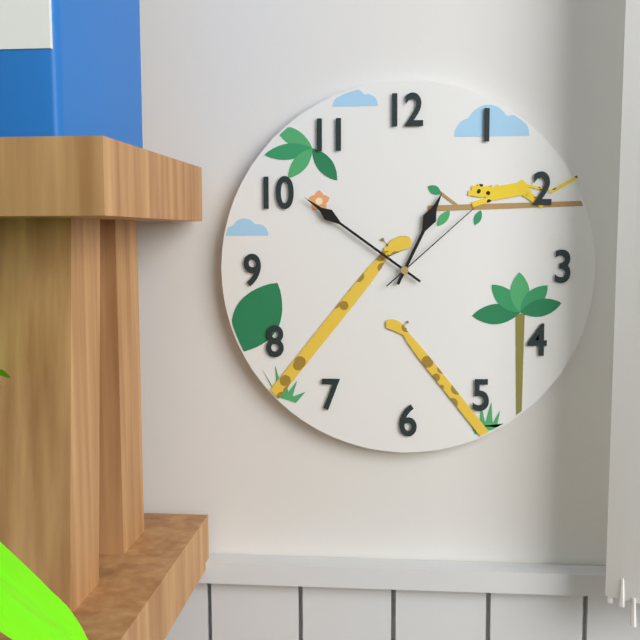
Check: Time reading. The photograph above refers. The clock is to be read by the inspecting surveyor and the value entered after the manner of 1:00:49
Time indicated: 12:51:08
